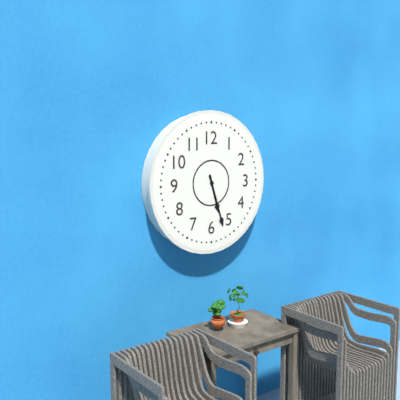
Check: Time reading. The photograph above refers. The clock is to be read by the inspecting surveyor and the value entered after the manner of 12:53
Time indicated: 5:27
